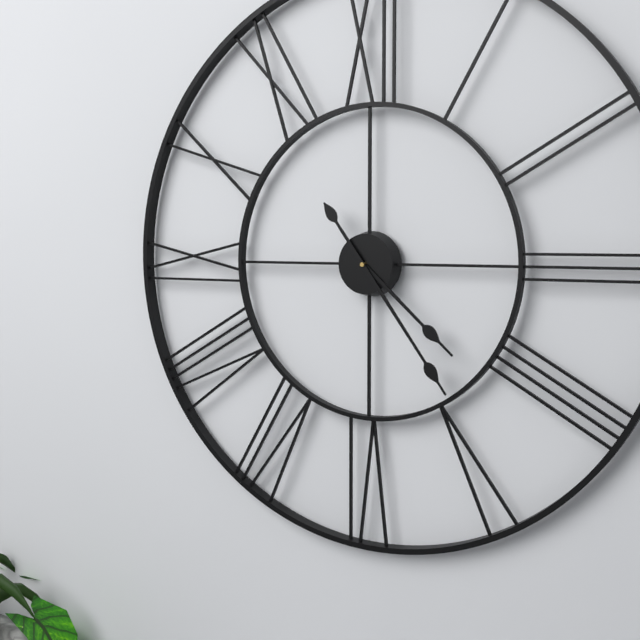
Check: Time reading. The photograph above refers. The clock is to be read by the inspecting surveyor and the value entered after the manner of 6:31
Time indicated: 4:24
